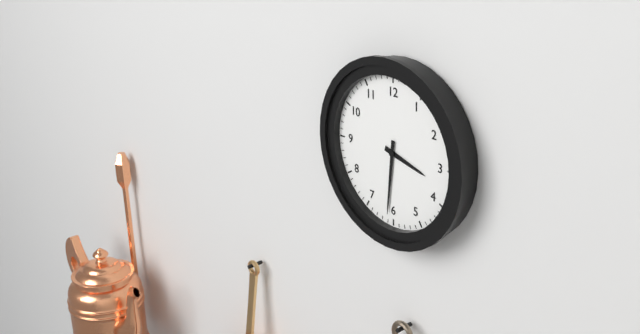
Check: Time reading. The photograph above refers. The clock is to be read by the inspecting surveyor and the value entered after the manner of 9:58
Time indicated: 3:31
